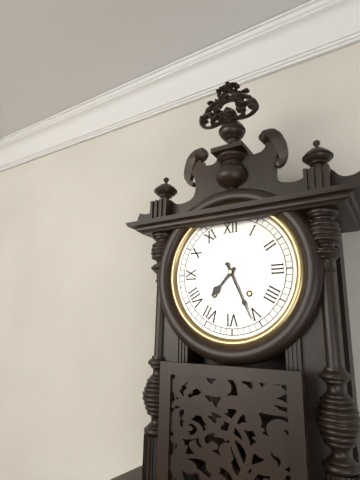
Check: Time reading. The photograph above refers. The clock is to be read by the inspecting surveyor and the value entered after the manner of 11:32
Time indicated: 7:26
